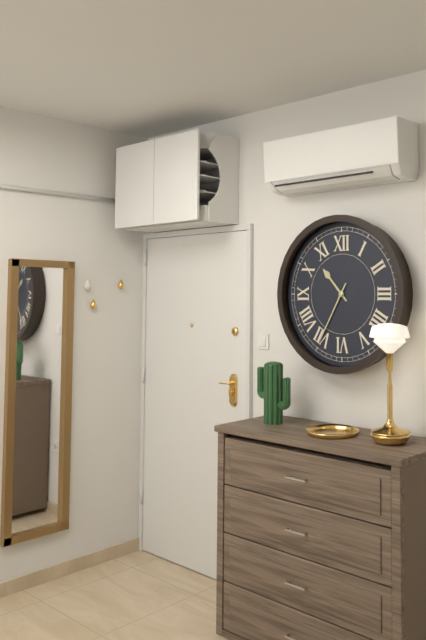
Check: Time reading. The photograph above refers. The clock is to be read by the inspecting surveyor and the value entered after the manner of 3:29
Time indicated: 10:35
